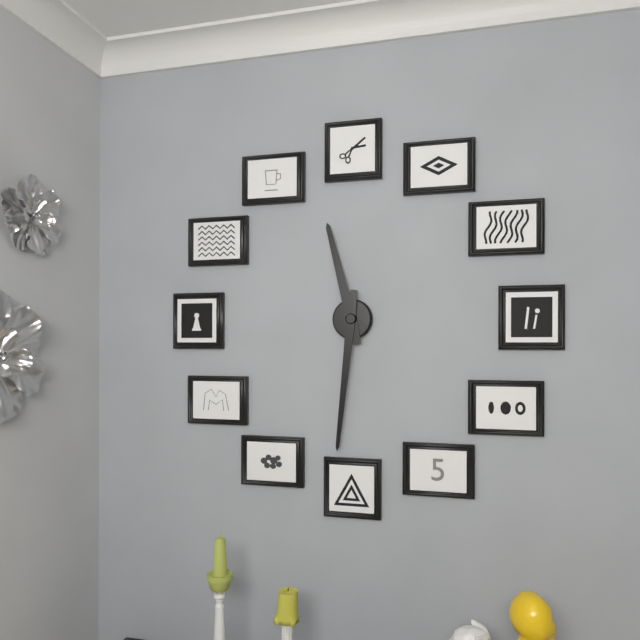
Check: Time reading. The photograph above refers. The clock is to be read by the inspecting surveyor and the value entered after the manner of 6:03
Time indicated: 11:31
